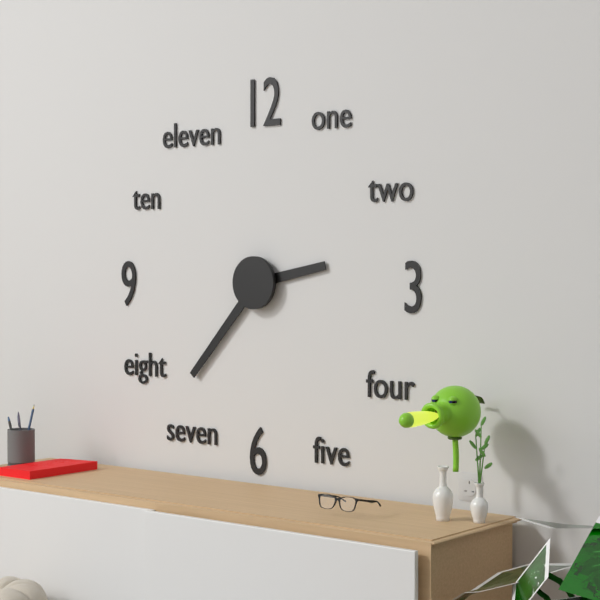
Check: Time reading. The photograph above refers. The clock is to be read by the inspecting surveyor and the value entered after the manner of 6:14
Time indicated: 2:37
